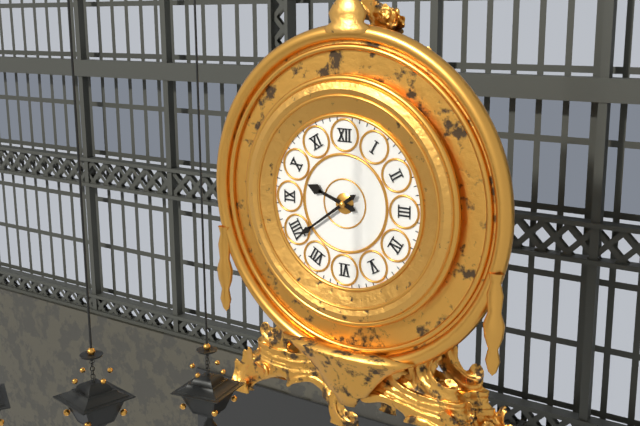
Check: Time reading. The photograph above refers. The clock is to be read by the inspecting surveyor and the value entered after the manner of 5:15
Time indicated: 9:39
